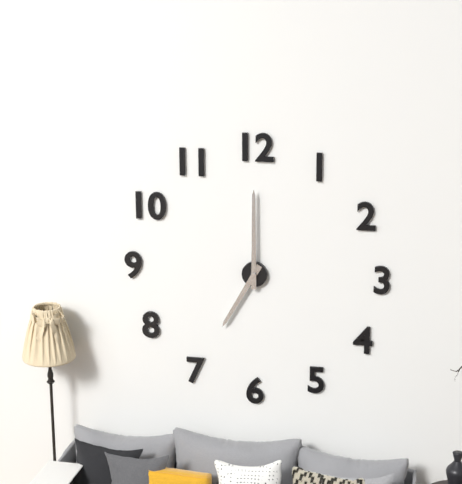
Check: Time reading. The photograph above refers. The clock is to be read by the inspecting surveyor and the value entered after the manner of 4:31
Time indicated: 7:00
